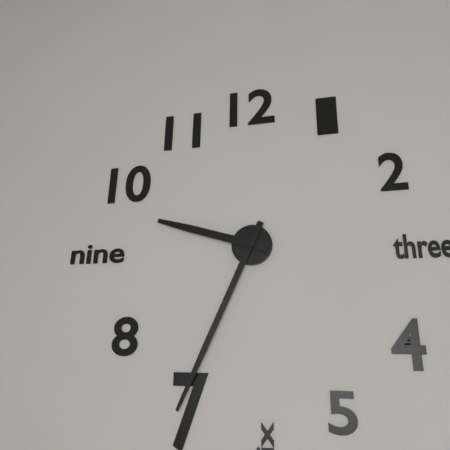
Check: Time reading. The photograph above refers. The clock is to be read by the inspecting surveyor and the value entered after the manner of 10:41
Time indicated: 9:34
